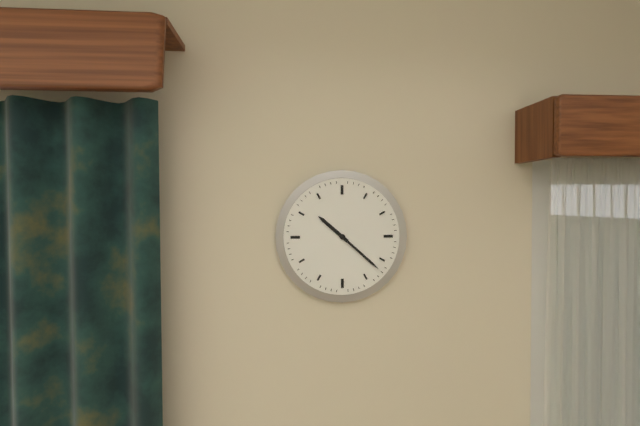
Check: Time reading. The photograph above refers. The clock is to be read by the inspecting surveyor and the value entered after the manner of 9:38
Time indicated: 10:22
